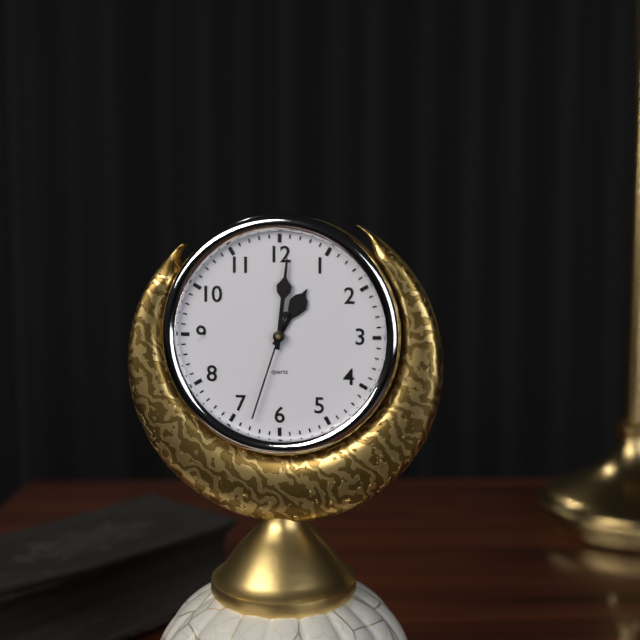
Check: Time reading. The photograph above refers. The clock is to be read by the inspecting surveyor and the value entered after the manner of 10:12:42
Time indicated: 1:01:33
